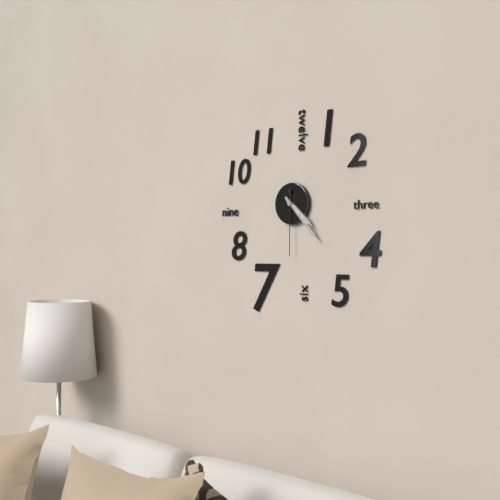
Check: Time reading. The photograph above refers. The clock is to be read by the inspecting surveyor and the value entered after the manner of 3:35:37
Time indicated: 4:23:30
